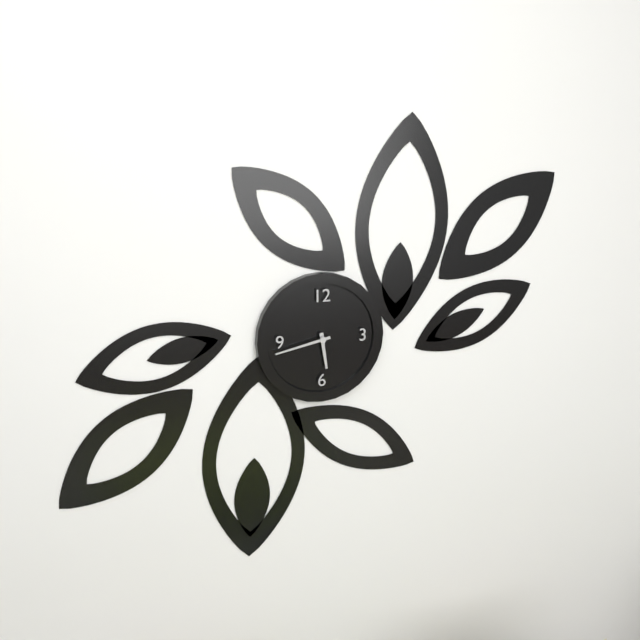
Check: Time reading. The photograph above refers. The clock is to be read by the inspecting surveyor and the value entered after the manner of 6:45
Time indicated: 5:43
